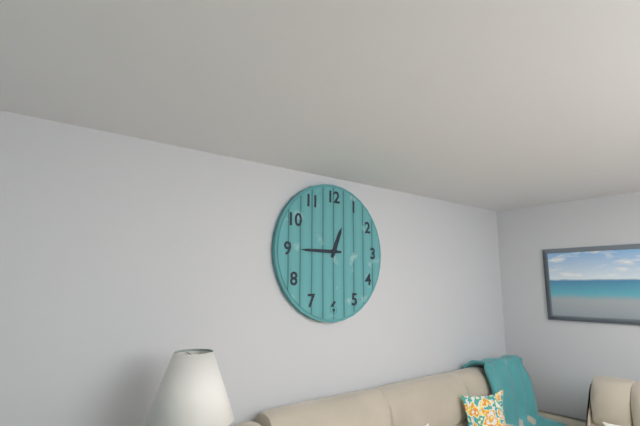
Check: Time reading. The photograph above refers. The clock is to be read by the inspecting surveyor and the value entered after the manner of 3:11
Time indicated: 12:45
